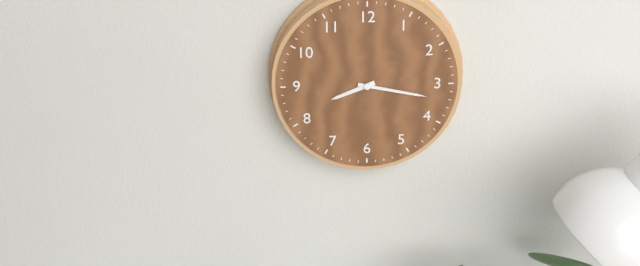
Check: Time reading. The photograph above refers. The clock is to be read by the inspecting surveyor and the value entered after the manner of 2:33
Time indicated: 8:17
